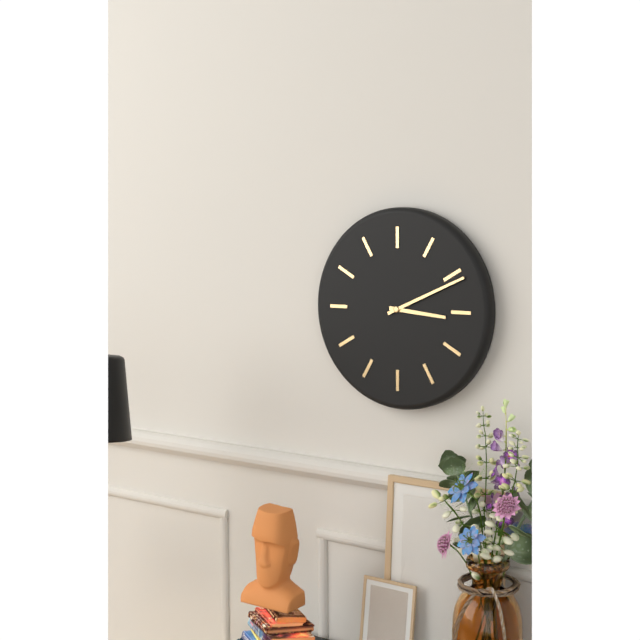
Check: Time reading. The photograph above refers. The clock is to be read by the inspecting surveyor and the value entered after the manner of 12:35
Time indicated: 3:11
